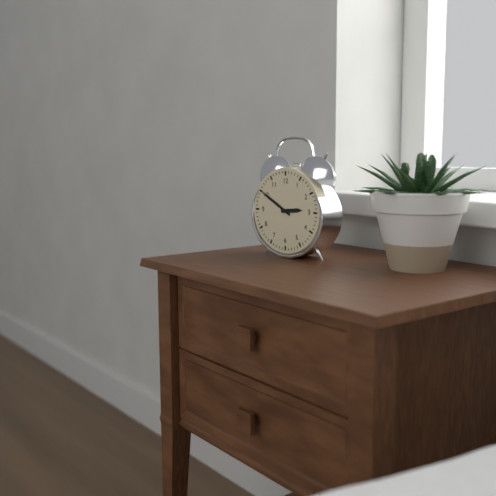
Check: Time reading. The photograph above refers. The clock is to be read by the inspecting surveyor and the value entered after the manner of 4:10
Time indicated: 2:50
